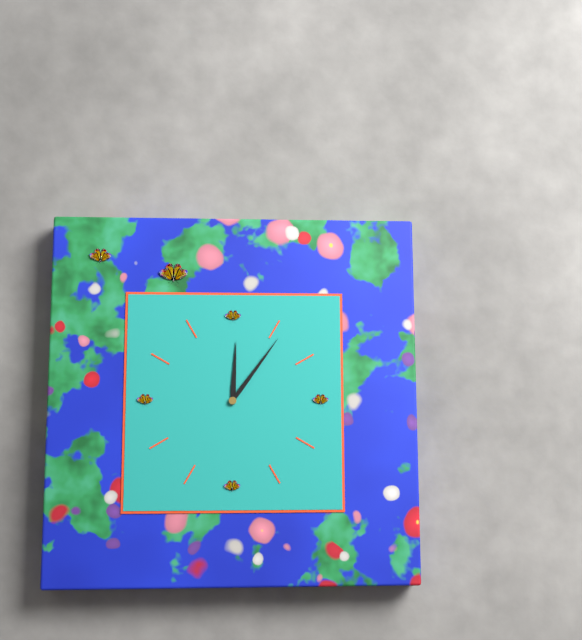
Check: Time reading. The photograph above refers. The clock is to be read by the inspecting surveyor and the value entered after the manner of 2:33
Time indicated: 12:06
